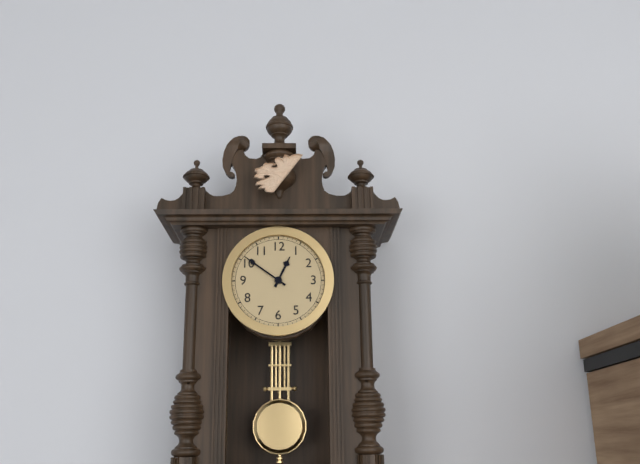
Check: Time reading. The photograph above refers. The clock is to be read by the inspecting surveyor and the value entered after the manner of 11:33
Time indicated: 12:51
